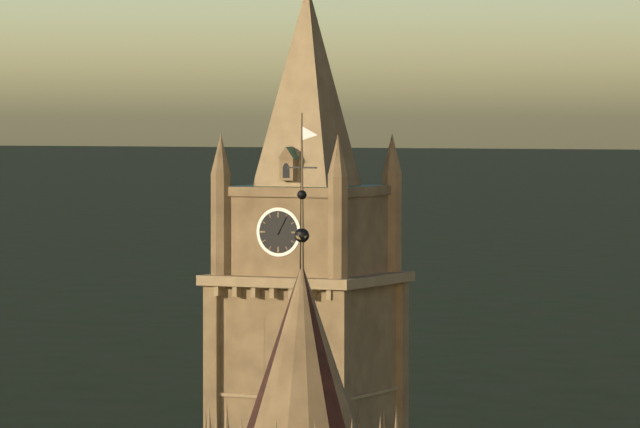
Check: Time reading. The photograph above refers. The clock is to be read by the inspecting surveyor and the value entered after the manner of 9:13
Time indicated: 1:05
